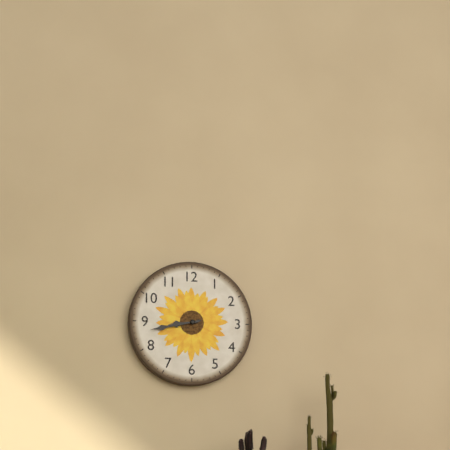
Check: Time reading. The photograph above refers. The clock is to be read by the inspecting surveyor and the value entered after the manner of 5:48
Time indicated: 8:43
